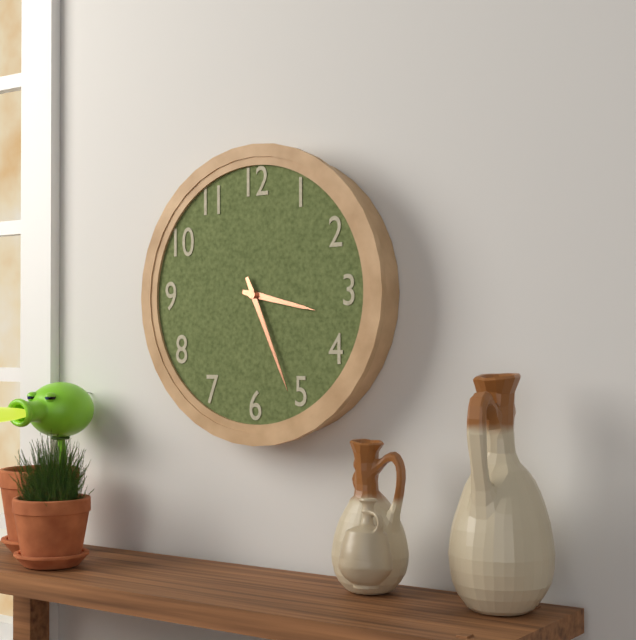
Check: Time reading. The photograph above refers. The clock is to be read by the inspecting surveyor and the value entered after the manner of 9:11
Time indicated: 3:26
